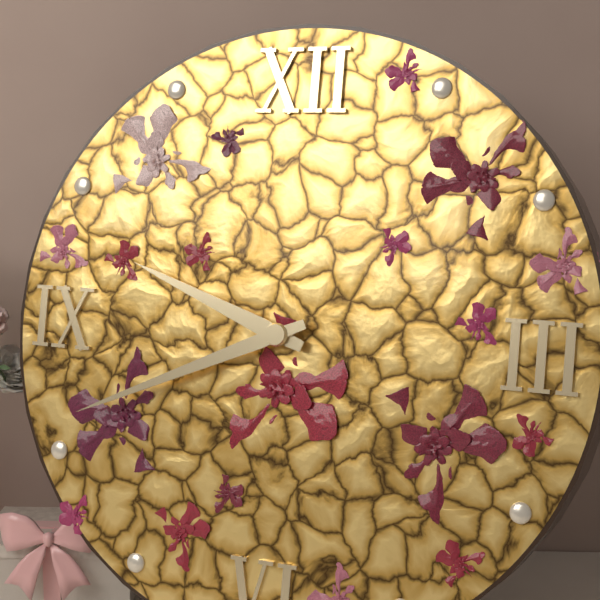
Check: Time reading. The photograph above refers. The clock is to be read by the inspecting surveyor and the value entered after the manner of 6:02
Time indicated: 9:41
